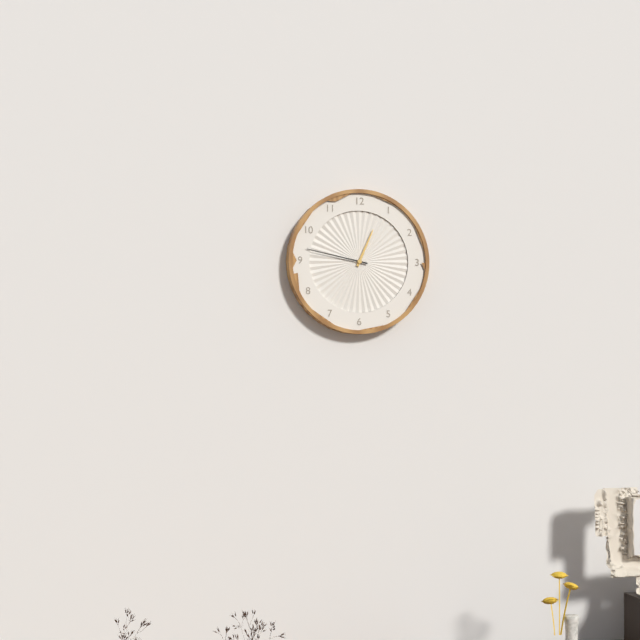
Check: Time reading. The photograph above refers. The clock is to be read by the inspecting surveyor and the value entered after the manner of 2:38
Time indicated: 12:47
